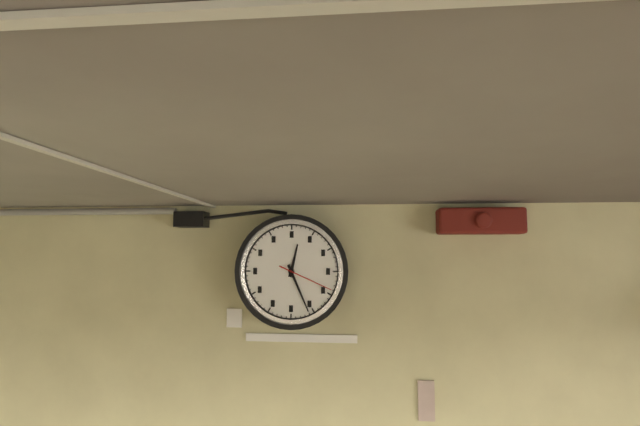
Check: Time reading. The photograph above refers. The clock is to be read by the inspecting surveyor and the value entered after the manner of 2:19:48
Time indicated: 12:26:19
